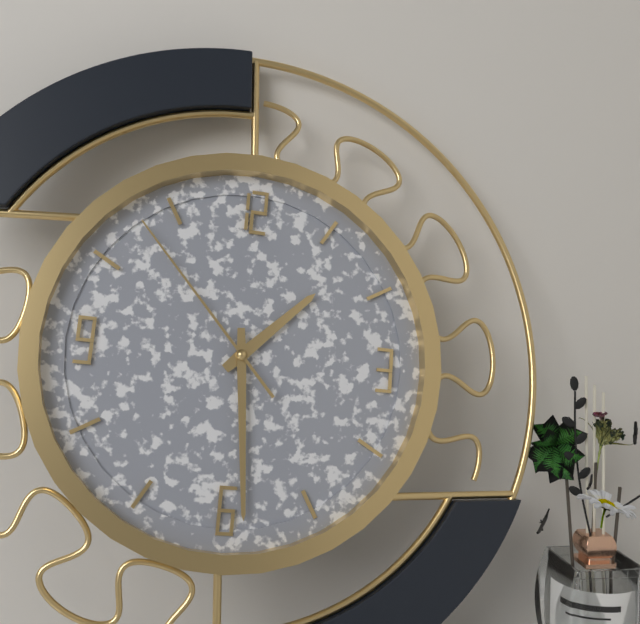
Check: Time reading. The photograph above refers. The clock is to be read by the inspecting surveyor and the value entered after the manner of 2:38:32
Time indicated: 1:29:53
